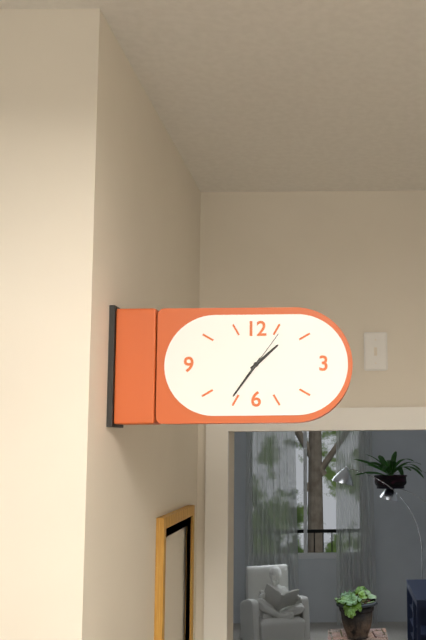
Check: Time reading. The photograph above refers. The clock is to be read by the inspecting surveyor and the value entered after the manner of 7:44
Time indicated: 1:36
